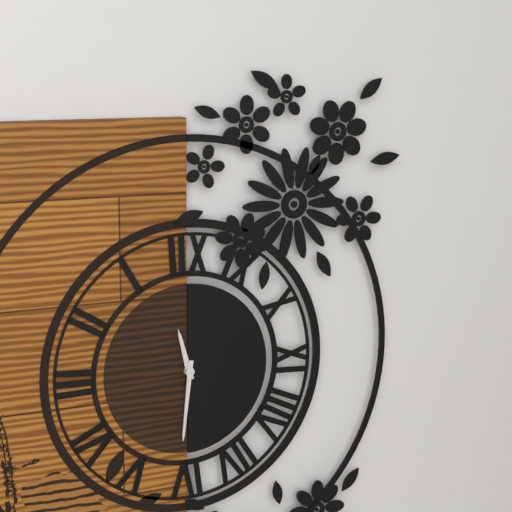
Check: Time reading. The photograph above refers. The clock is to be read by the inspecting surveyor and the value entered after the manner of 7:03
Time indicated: 11:31
